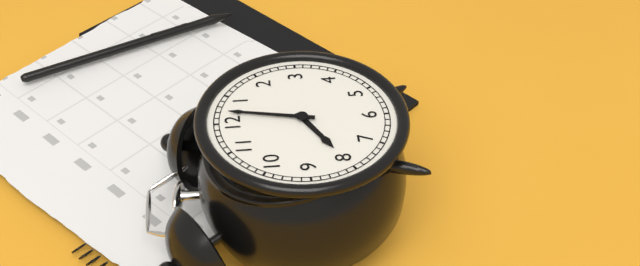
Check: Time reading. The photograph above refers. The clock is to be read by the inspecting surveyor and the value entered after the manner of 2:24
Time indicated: 8:02
